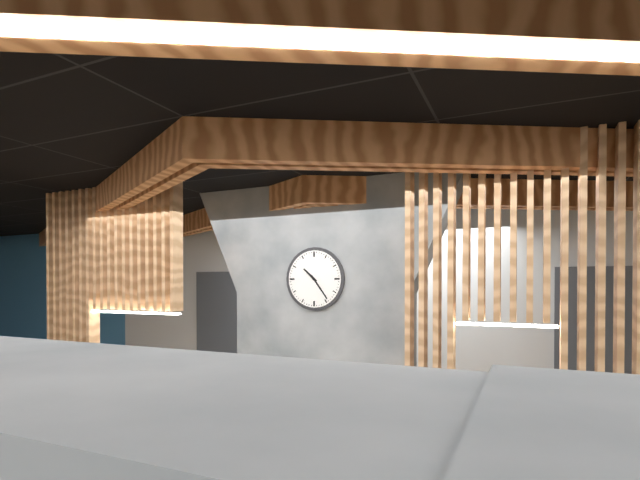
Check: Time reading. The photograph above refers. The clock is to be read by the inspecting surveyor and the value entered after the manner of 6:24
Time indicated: 10:24
